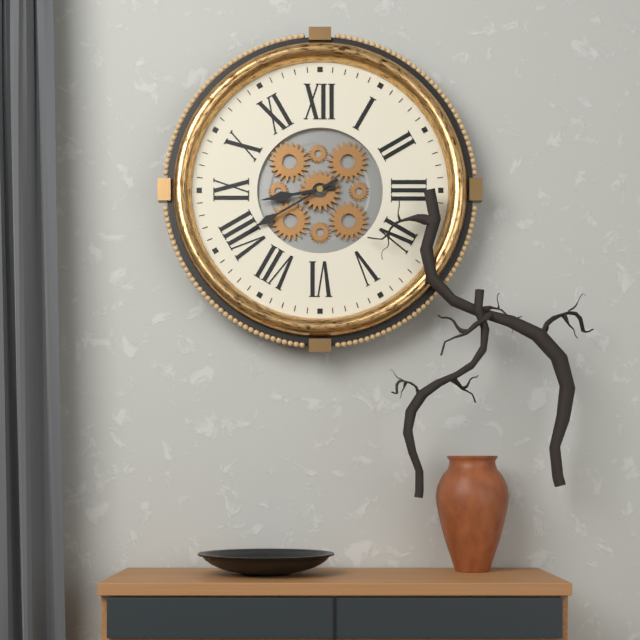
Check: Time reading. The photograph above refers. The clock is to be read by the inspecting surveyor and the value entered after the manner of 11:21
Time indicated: 8:40
